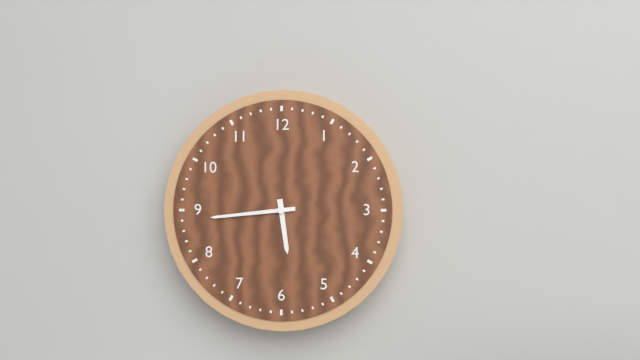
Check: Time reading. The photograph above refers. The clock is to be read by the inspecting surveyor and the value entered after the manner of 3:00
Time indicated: 5:44
